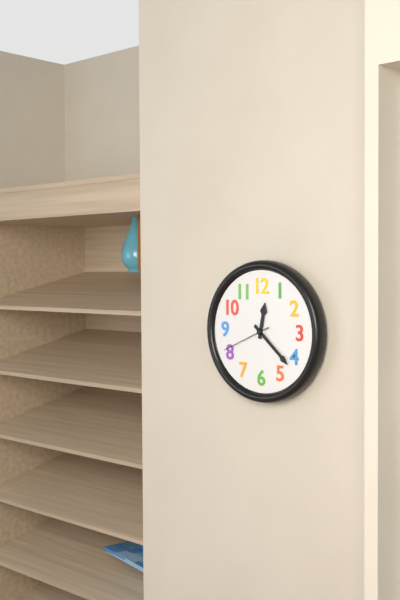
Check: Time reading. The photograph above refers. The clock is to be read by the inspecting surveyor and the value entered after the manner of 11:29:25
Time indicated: 12:22:41
